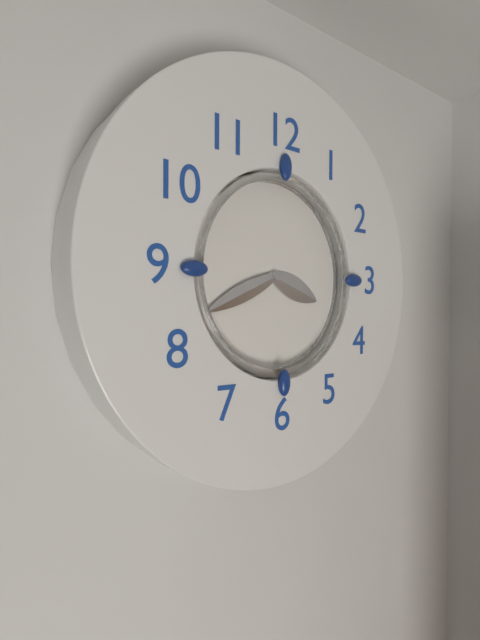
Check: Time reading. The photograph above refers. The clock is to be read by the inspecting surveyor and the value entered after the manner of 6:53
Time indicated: 3:41
